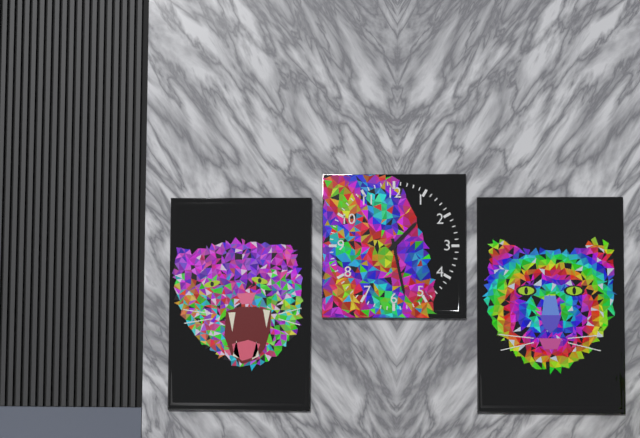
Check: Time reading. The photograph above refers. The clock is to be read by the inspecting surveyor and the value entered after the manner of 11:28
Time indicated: 1:28
